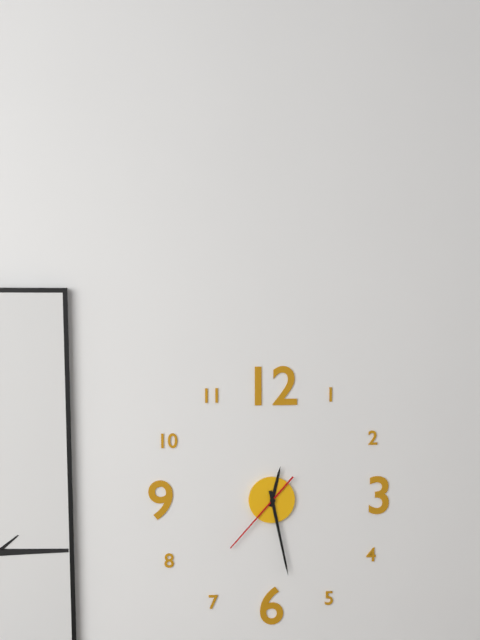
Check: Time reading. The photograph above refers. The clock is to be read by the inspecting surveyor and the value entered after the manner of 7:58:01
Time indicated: 12:28:37
